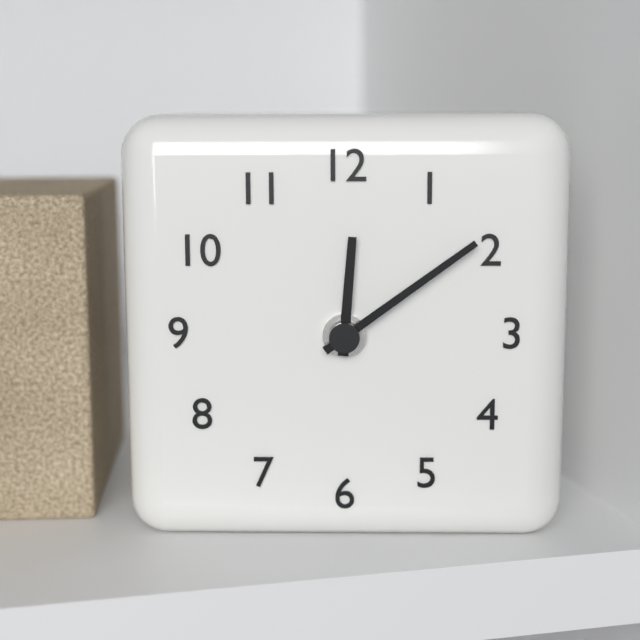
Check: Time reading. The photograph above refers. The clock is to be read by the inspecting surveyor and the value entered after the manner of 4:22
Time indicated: 12:09
